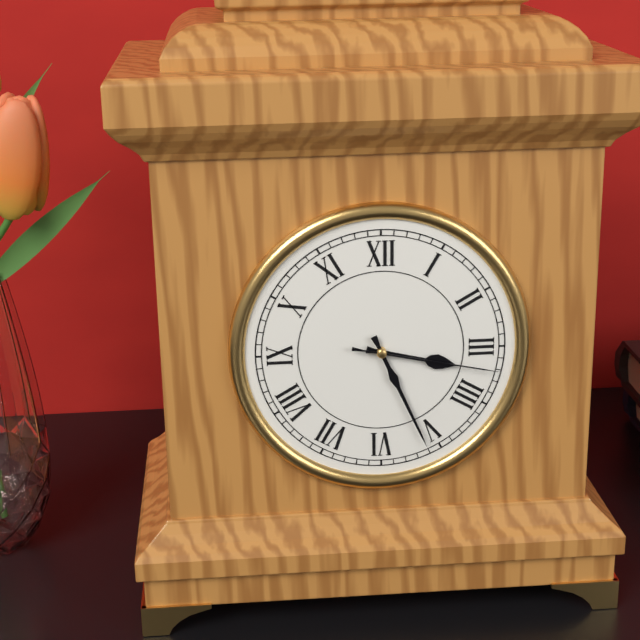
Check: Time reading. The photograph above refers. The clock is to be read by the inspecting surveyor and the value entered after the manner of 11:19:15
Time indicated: 3:26:17
